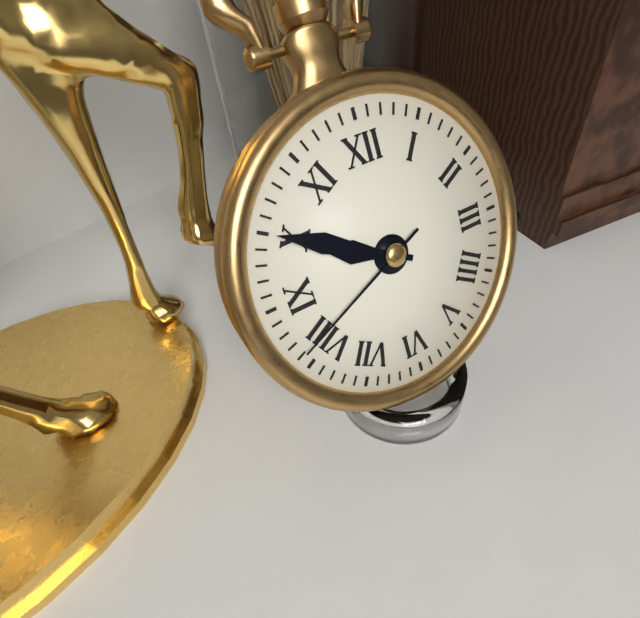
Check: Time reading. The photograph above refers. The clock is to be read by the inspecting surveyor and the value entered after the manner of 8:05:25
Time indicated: 9:50:41
